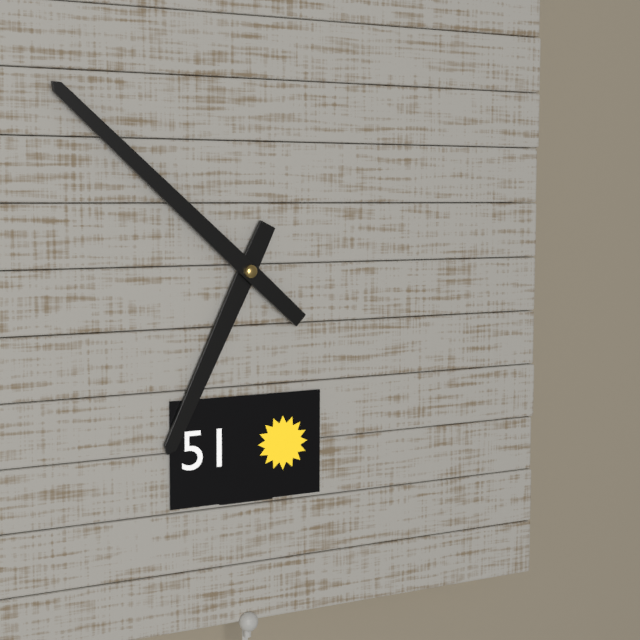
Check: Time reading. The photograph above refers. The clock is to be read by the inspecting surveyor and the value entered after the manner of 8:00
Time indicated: 6:52
